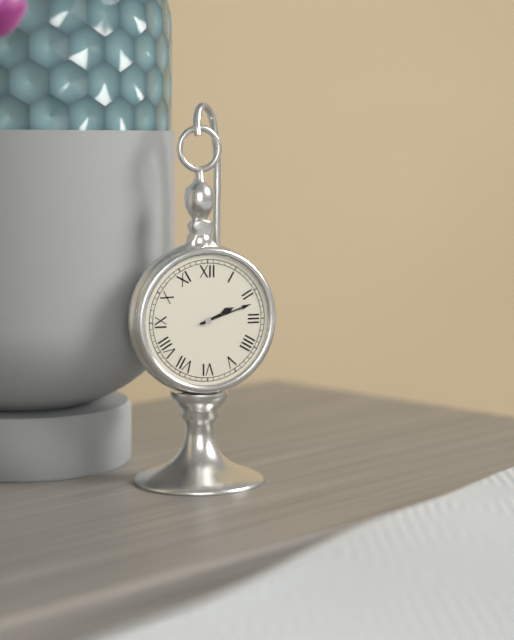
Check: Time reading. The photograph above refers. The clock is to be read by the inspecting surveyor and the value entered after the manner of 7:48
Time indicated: 2:12
